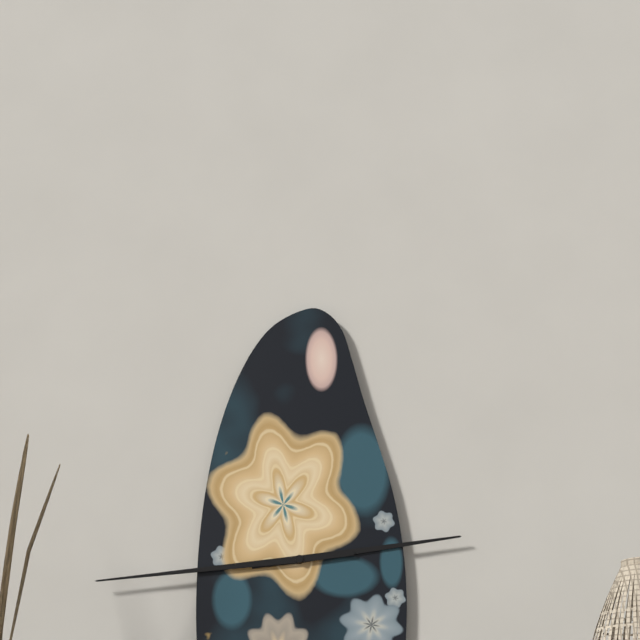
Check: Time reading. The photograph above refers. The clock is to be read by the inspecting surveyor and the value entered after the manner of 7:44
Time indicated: 2:44
